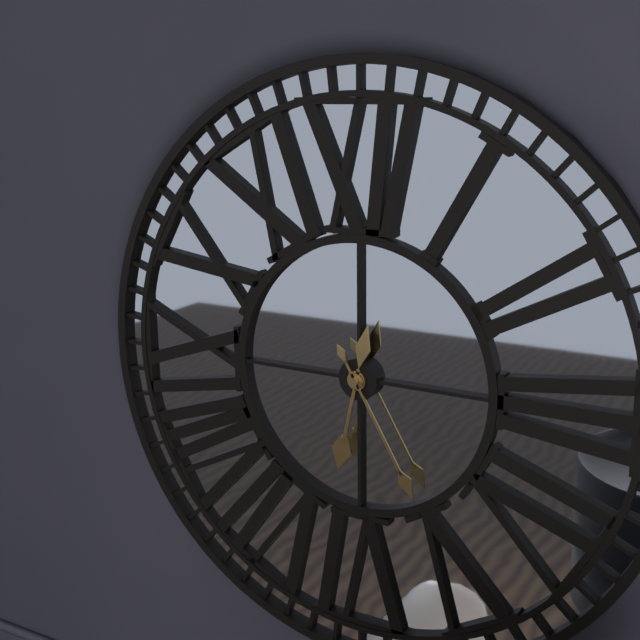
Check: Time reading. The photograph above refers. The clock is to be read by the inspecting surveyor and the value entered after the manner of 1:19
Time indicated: 6:25
